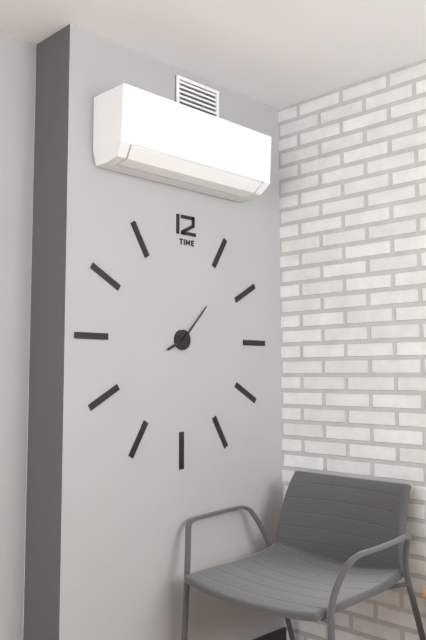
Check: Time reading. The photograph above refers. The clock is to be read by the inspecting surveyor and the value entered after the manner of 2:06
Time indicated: 8:07
